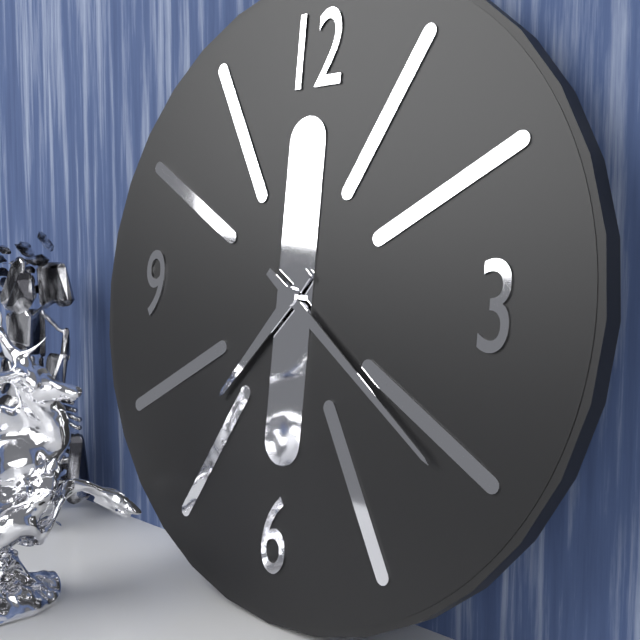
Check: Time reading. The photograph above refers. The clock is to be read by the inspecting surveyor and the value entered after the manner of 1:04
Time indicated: 7:21
